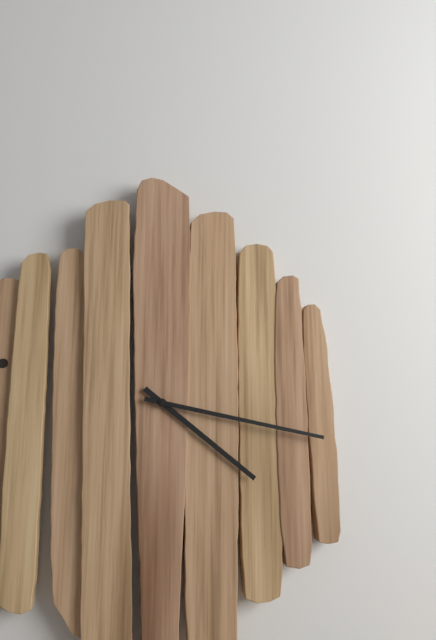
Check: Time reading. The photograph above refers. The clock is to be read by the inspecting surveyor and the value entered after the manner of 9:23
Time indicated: 4:17
